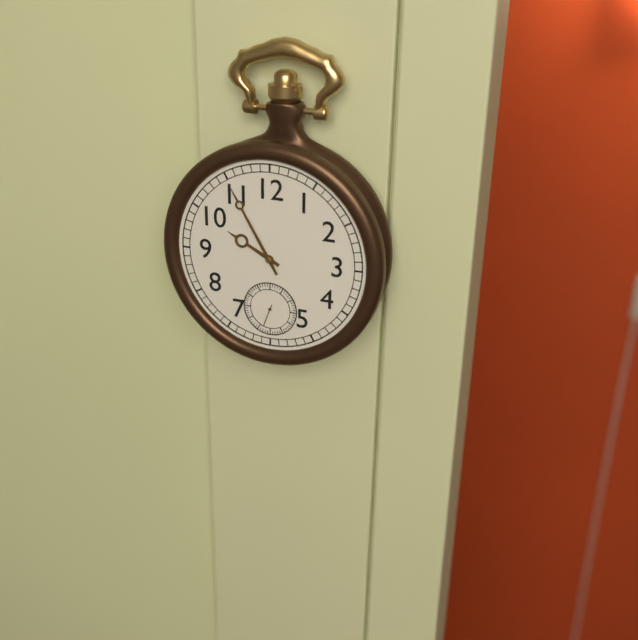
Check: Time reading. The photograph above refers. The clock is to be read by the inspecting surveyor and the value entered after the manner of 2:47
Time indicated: 9:55
